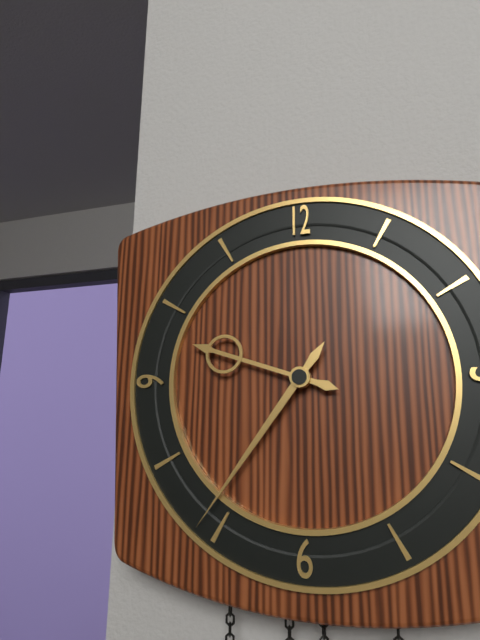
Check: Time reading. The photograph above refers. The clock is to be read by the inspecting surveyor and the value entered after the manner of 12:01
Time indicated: 9:36
